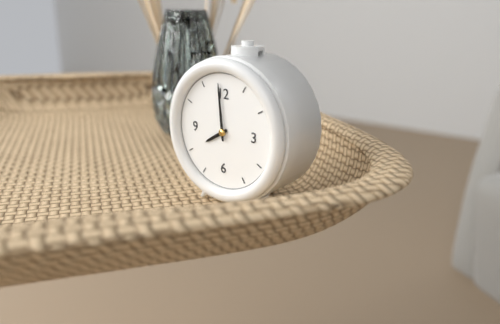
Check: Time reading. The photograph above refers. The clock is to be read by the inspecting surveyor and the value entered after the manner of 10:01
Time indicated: 7:59
